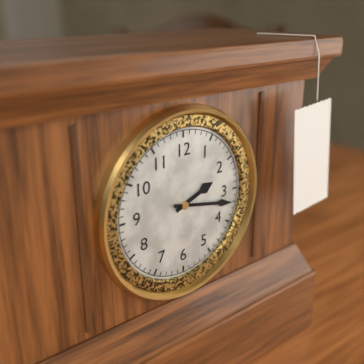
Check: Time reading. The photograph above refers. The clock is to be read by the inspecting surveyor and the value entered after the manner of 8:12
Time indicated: 2:17
